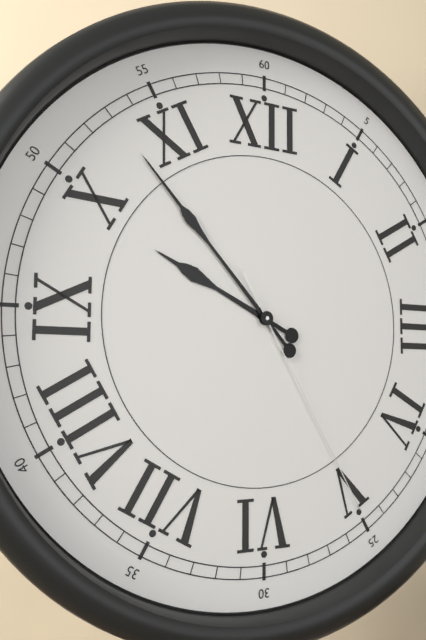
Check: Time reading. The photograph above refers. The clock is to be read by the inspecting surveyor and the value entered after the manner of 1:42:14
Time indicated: 9:53:25
